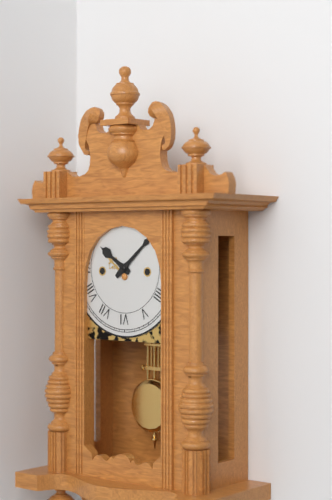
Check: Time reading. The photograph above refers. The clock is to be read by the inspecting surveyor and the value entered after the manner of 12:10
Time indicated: 10:08
